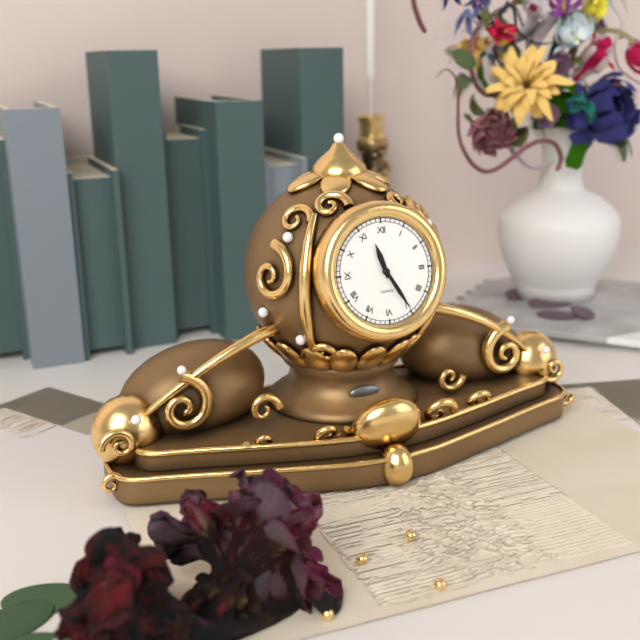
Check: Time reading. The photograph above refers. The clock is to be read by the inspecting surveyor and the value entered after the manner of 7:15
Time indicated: 11:25
